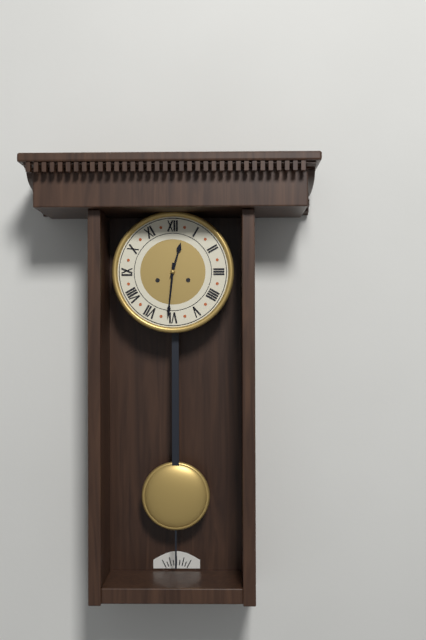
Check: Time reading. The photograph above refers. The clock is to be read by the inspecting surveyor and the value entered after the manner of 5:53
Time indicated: 12:31
